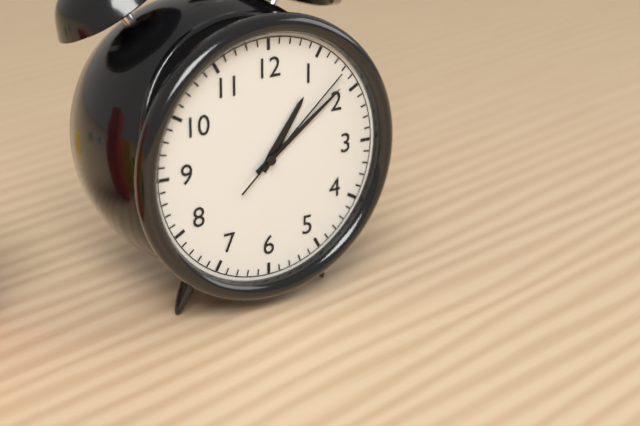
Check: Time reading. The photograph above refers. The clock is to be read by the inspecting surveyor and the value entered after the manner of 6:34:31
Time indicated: 1:09:08
